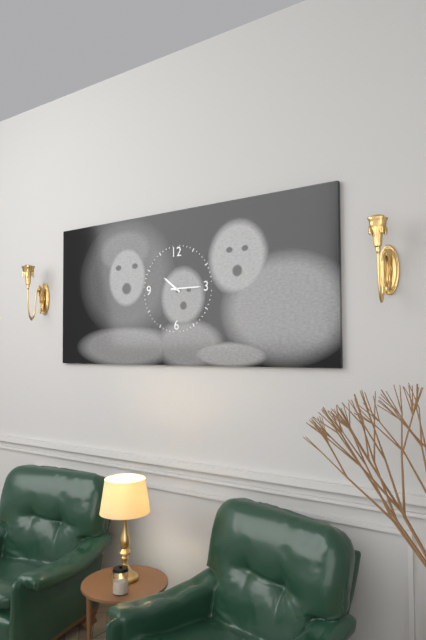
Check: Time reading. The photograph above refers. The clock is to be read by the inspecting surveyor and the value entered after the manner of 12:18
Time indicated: 10:15
